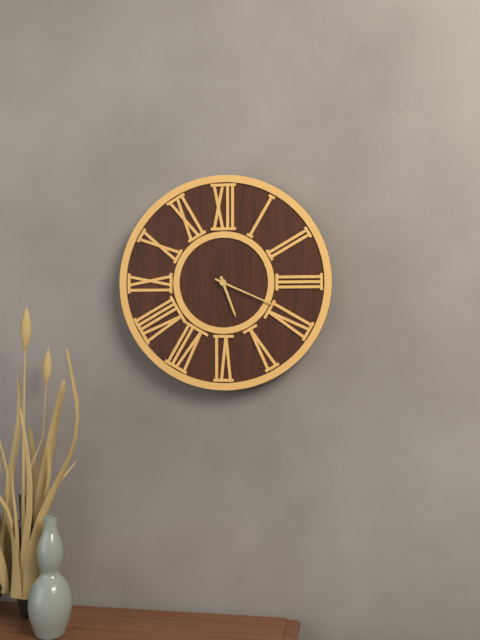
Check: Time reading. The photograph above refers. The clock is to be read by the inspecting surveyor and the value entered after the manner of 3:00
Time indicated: 5:19
